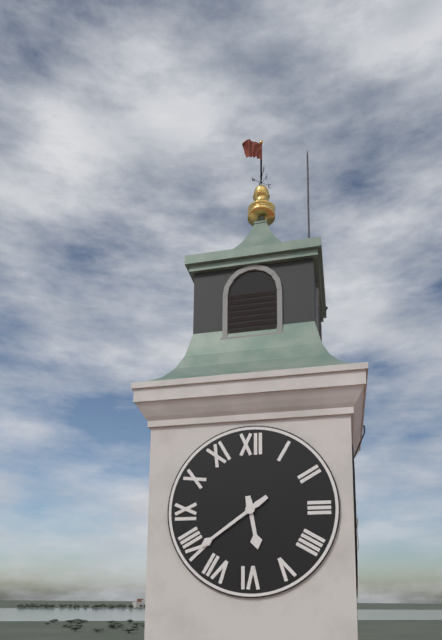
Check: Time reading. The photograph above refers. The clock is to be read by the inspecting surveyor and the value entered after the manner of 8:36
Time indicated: 5:39
